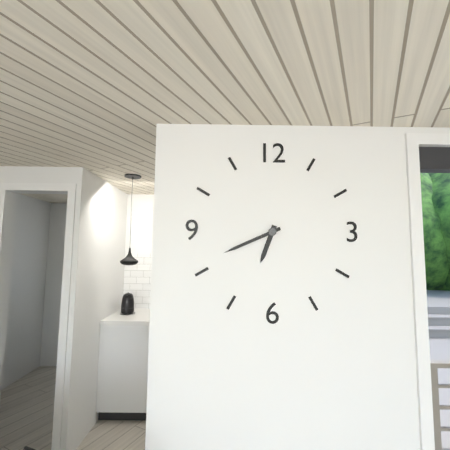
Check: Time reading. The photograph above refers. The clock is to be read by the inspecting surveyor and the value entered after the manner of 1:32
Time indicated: 6:41
